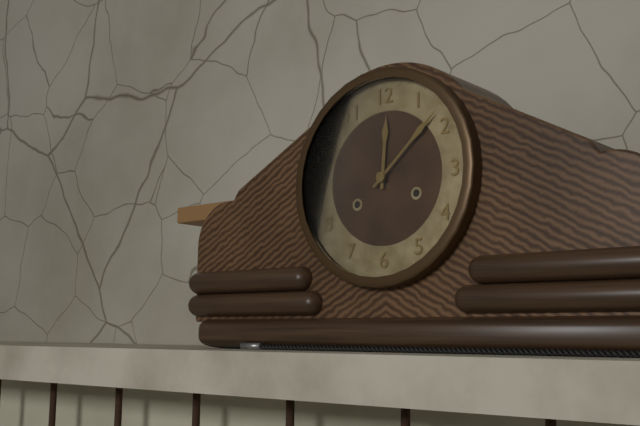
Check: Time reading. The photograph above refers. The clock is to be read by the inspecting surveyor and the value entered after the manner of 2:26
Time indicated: 12:08
